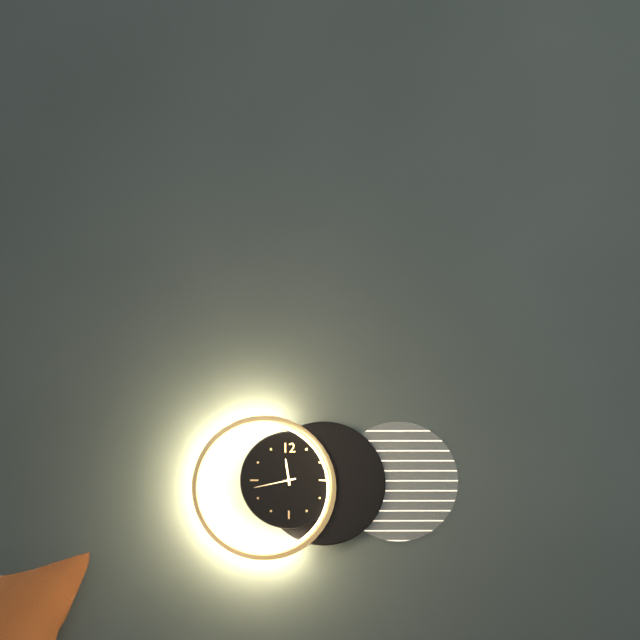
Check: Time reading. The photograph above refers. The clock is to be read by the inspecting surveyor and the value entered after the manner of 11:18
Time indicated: 11:43
